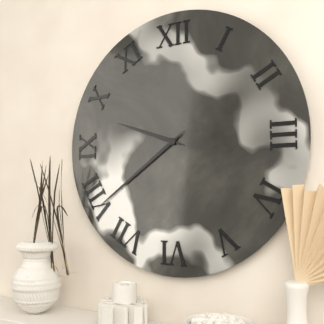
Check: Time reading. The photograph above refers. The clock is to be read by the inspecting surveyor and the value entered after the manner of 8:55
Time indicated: 9:39
